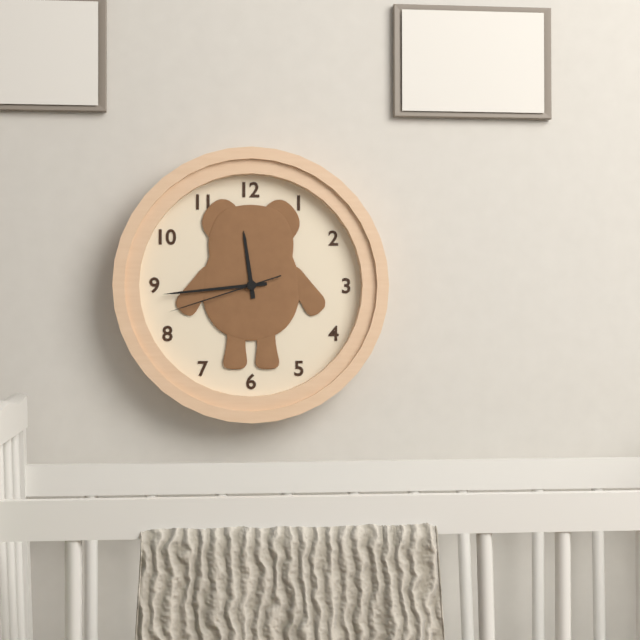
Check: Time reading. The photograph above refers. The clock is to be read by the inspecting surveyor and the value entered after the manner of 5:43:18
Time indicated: 11:44:42
